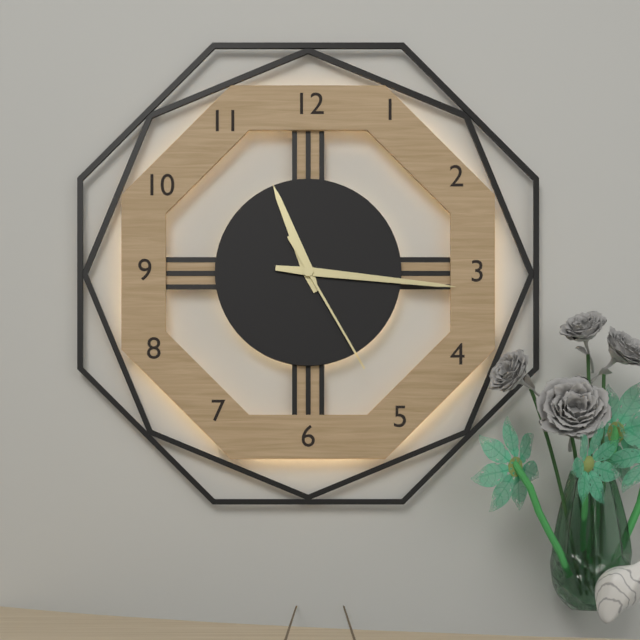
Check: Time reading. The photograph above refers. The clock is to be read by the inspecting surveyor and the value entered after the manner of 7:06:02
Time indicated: 11:16:25
